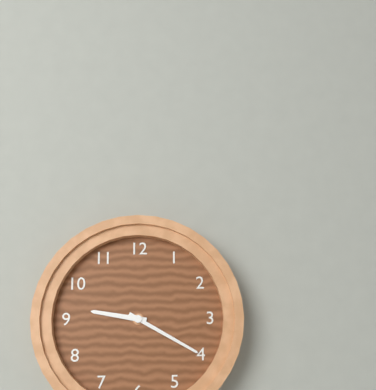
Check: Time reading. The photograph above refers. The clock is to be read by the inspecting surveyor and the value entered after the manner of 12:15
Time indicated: 9:20
